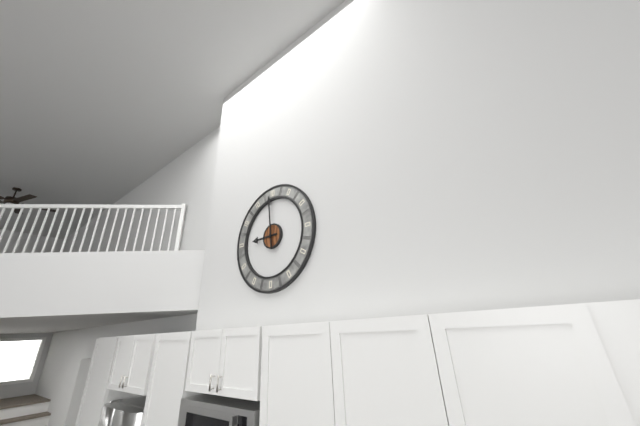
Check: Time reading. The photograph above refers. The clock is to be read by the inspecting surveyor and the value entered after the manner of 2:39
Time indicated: 8:59
